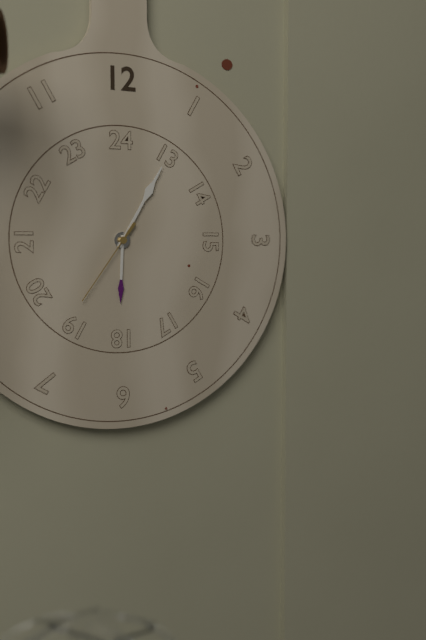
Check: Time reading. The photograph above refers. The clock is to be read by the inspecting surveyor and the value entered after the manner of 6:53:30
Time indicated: 6:05:36
